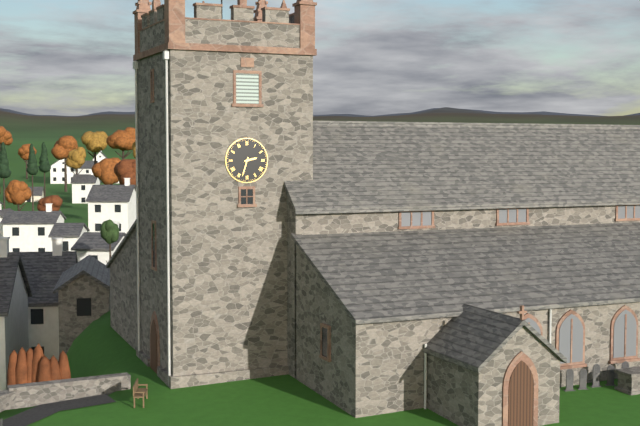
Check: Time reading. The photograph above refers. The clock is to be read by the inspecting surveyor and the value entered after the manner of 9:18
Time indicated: 2:33
